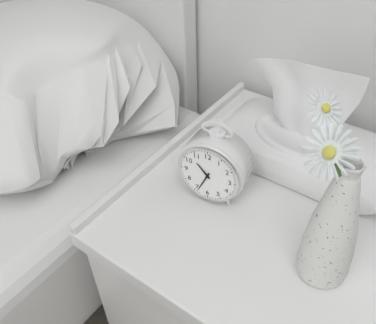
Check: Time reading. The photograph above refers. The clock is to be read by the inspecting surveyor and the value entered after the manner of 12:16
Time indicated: 10:34
